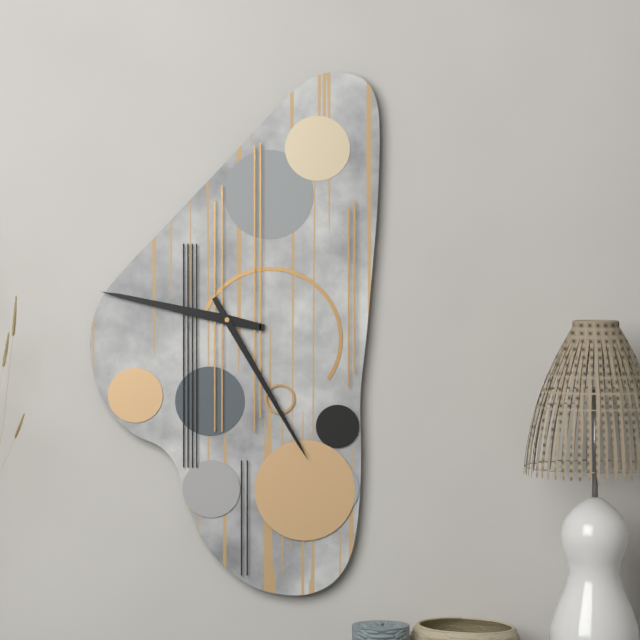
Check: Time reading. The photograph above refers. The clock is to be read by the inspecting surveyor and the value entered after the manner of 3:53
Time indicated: 9:25
